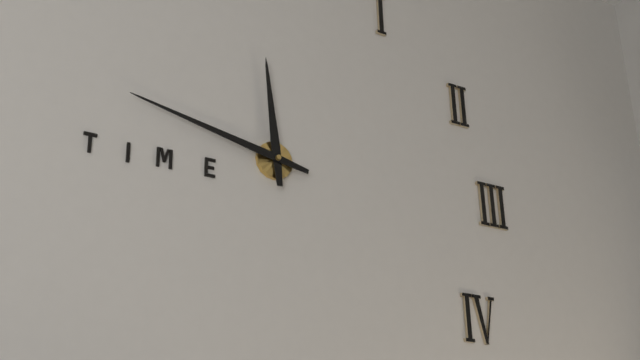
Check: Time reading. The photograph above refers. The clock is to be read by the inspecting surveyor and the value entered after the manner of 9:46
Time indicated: 11:47
